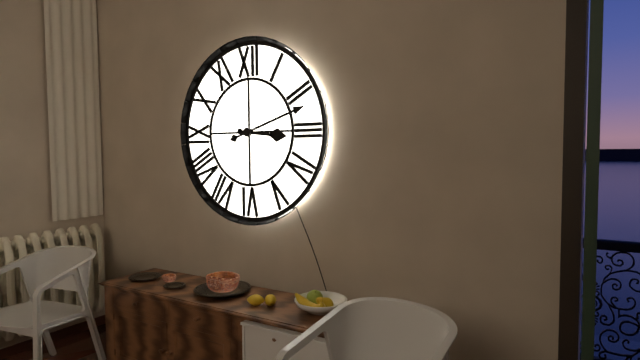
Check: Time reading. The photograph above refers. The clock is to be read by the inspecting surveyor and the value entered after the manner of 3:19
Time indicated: 3:12
